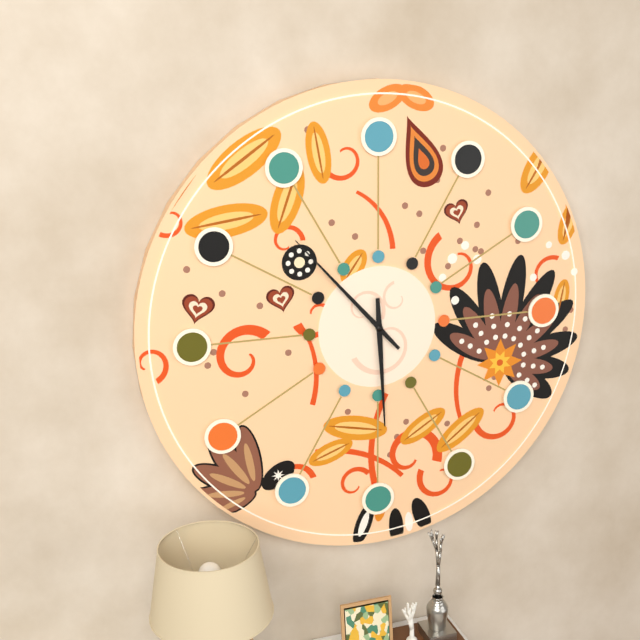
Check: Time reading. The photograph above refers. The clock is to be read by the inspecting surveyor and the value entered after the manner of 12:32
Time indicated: 5:53
